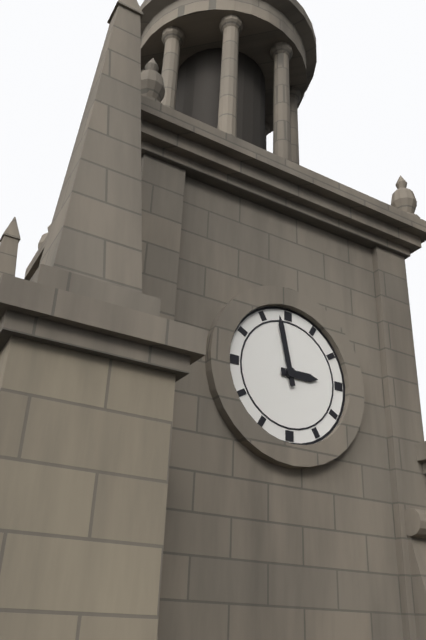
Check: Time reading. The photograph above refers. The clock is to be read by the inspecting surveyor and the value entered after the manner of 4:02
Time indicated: 2:58
